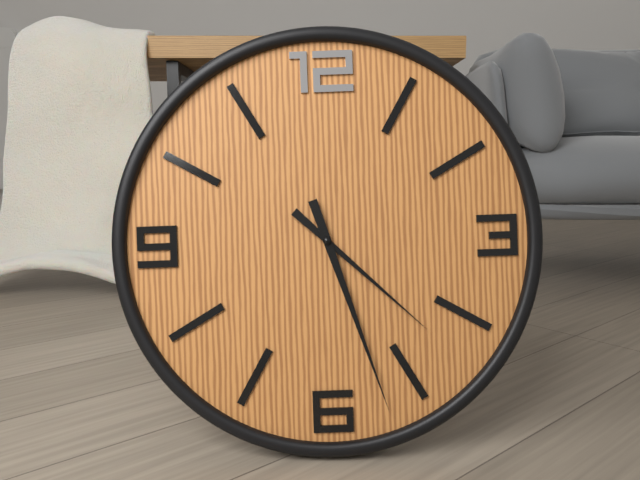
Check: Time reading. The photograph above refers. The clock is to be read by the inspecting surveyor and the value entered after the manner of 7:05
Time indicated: 4:27
